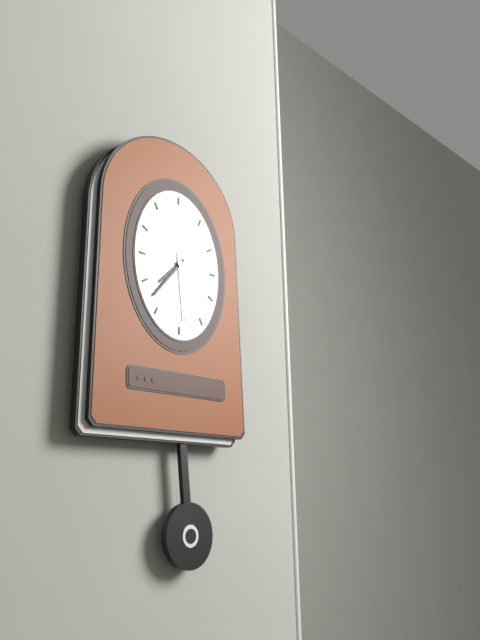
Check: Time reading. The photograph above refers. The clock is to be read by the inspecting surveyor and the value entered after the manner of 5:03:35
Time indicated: 7:37:29
